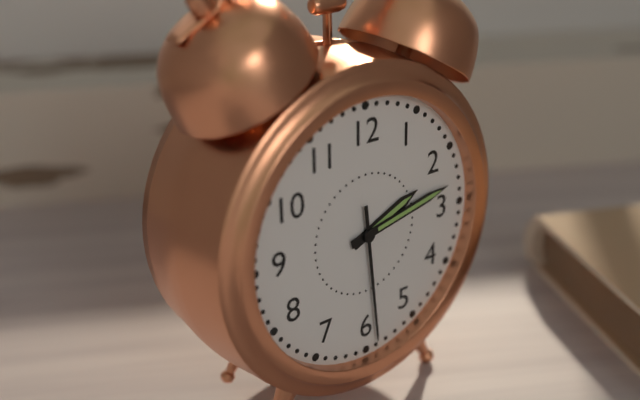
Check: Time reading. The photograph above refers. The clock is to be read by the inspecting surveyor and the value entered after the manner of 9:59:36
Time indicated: 2:13:29
